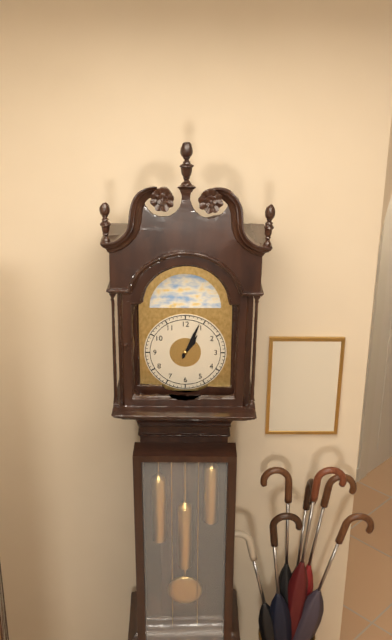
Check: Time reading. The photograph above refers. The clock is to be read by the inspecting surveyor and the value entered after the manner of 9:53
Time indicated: 1:04
